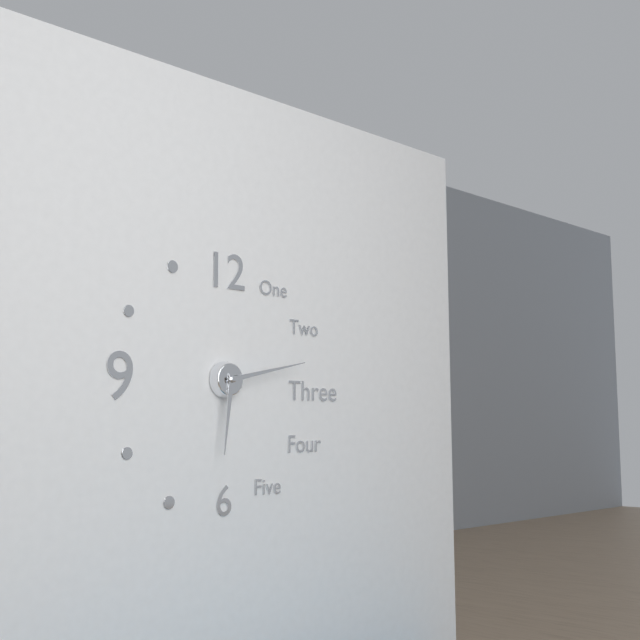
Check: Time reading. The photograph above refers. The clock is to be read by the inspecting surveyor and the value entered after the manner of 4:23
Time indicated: 6:13
